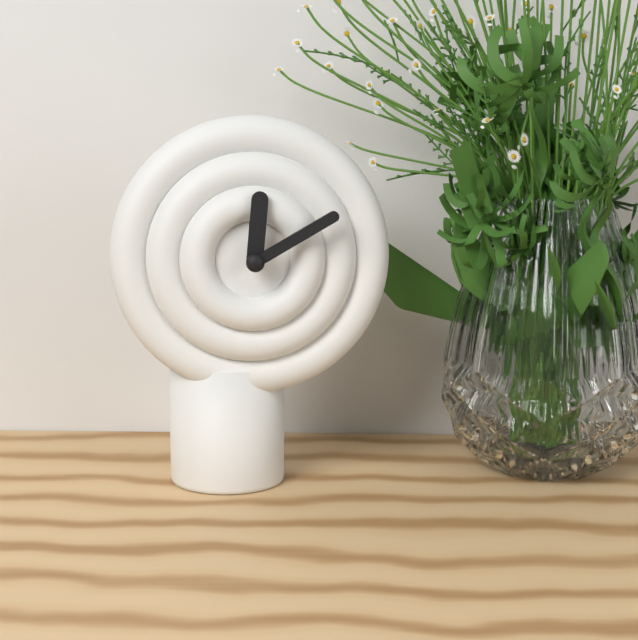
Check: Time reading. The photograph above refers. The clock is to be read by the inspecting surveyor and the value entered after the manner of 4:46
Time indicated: 12:10
